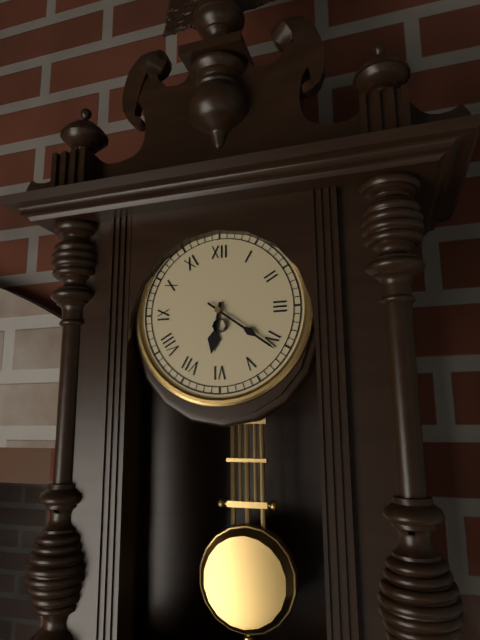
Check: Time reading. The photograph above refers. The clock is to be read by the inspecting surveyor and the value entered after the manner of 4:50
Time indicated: 6:21
